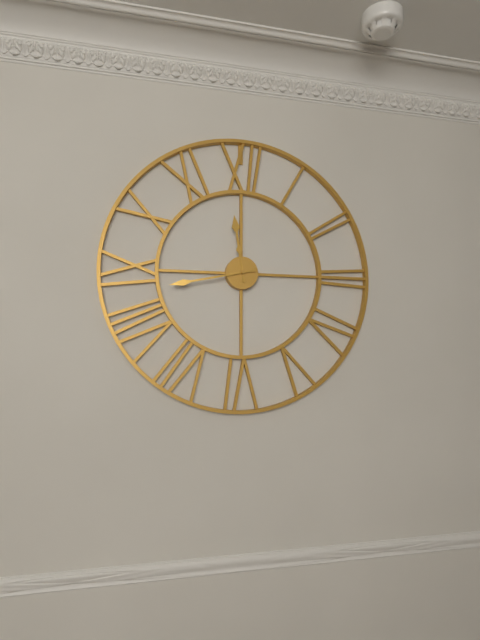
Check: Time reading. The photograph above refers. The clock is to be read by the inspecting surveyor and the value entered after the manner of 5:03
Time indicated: 11:43
